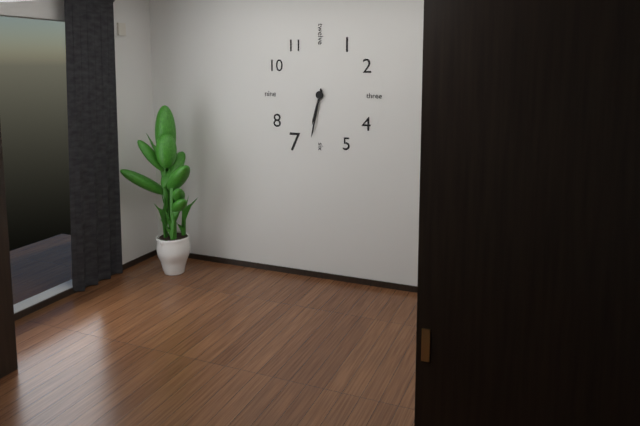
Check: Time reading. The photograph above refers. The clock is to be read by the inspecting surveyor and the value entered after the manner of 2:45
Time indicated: 6:32
